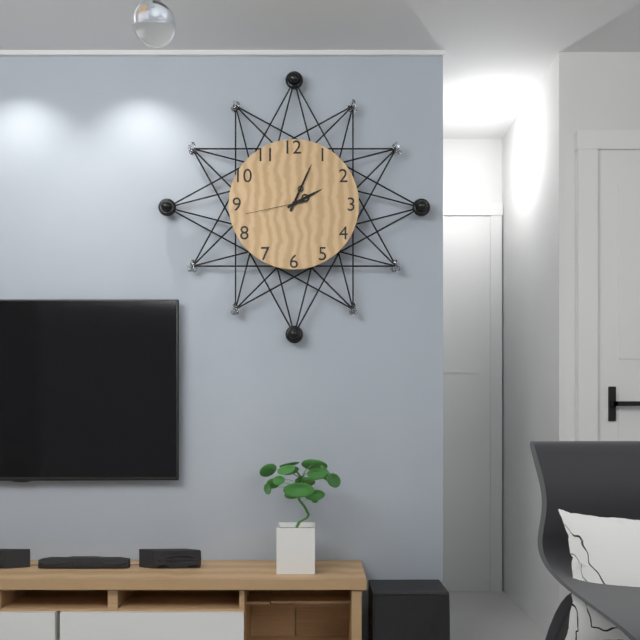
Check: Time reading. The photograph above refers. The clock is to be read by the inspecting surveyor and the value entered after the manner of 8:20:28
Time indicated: 2:04:43
